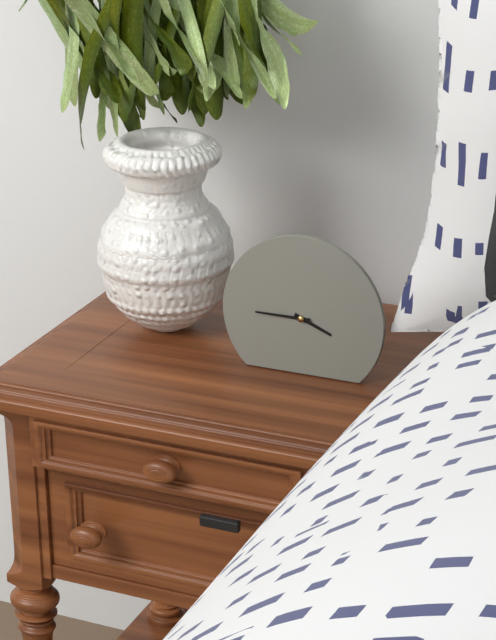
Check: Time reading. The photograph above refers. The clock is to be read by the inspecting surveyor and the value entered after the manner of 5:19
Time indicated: 3:45
